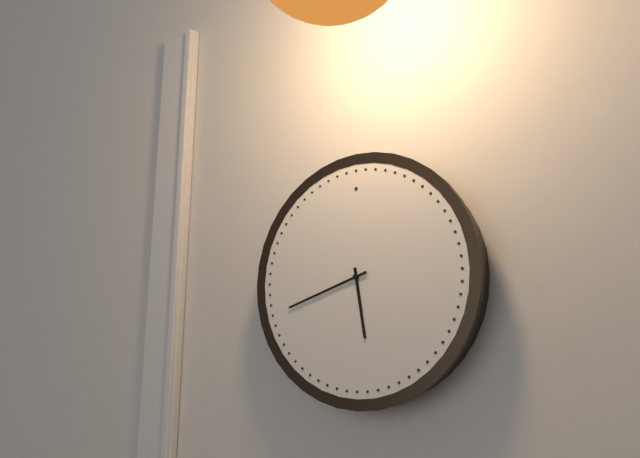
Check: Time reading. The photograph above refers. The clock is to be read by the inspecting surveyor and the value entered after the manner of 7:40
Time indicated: 5:42
